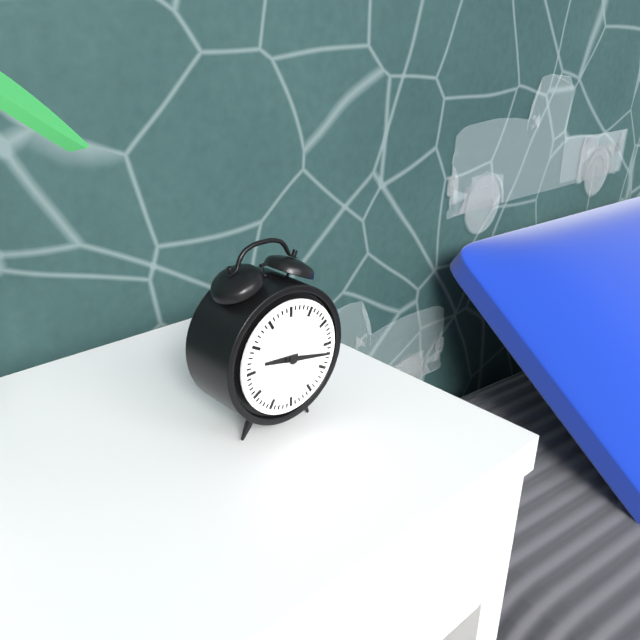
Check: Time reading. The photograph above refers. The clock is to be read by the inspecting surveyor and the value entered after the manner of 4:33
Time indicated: 9:17
